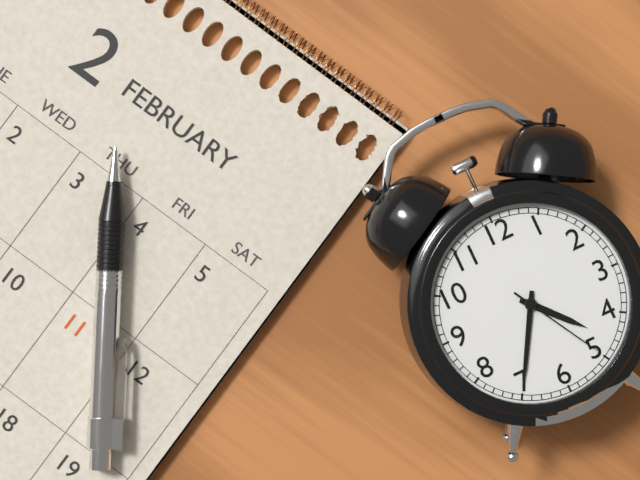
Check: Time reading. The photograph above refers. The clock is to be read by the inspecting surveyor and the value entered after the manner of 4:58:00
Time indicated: 4:35:25
